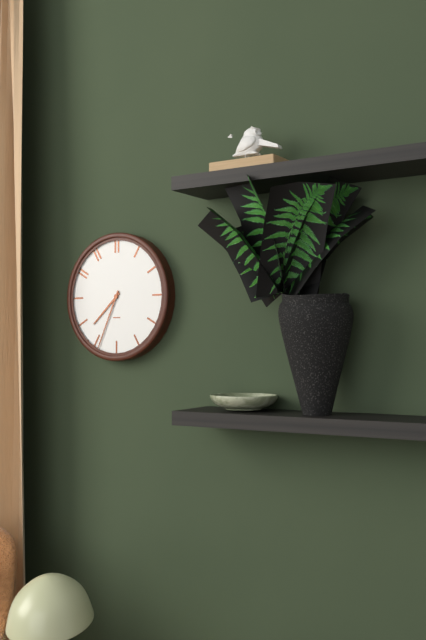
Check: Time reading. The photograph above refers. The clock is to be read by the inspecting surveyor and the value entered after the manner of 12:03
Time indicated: 7:34
